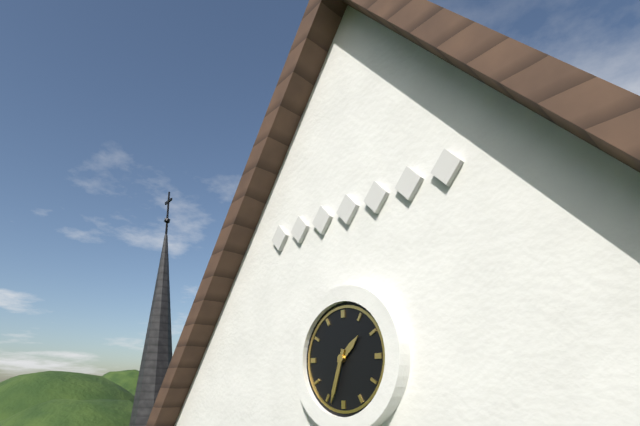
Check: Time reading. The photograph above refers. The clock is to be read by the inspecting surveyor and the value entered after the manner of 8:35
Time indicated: 1:33
